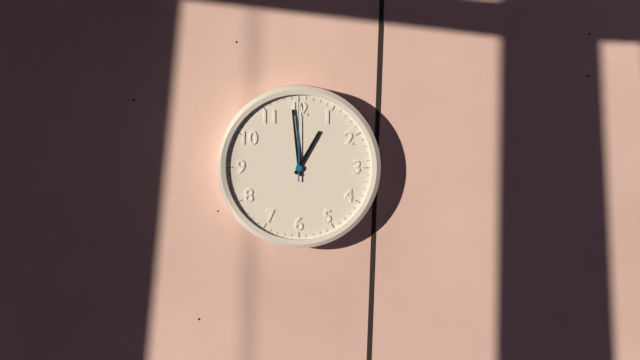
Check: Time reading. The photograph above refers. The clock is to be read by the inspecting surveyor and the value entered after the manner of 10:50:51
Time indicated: 12:59:00
